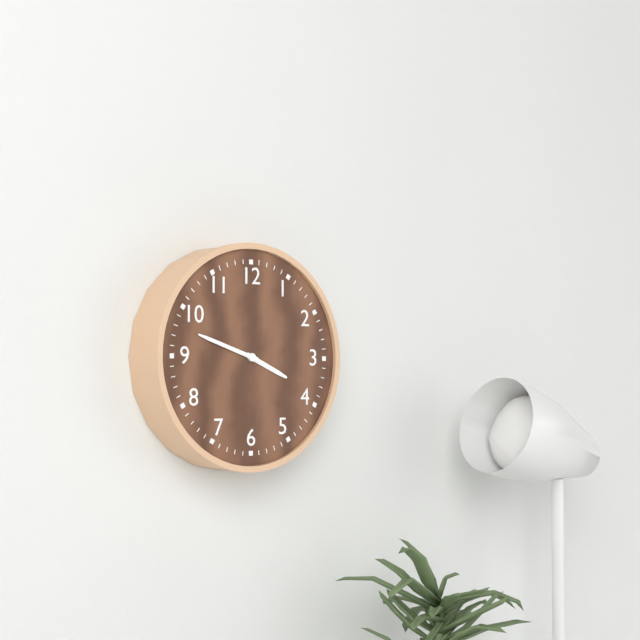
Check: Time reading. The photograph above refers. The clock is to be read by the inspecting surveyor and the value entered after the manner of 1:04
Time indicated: 3:48
